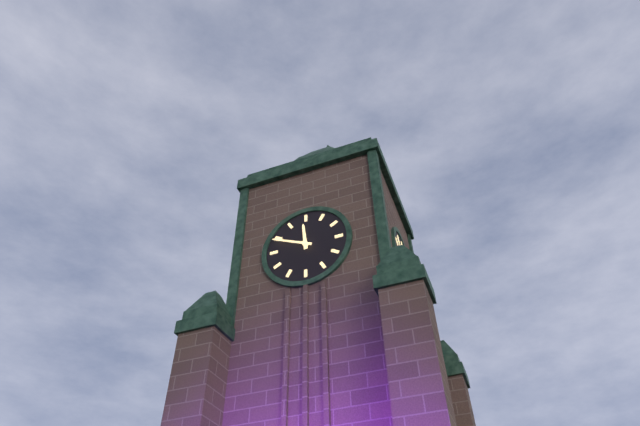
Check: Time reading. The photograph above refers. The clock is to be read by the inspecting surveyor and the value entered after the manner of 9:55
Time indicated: 11:49
